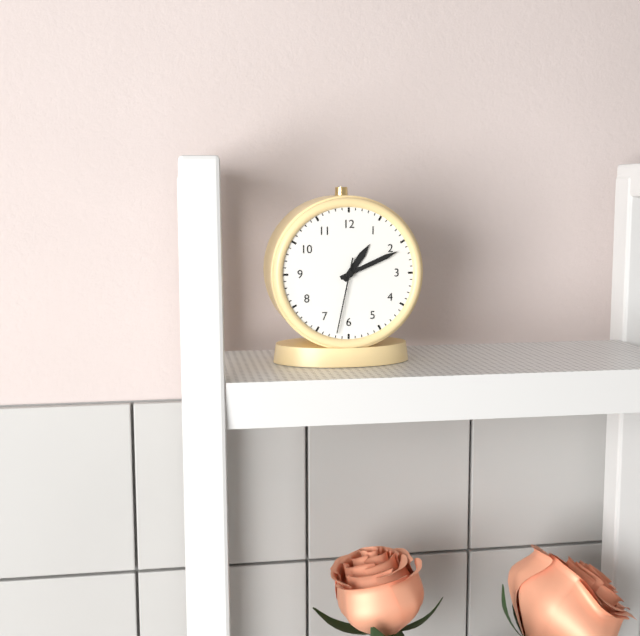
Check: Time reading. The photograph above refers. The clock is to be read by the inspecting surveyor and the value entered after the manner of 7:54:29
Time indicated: 1:11:32
